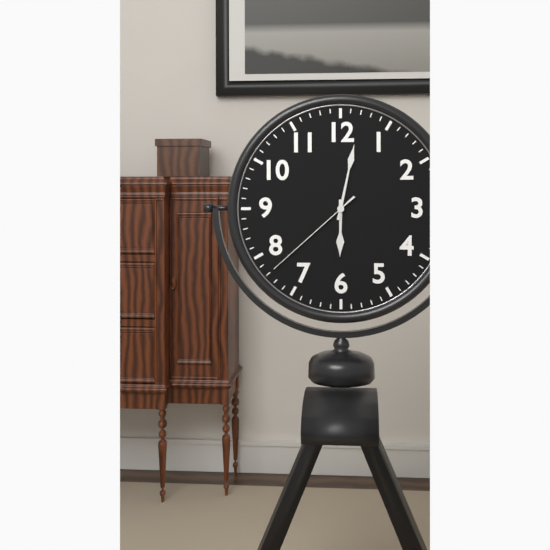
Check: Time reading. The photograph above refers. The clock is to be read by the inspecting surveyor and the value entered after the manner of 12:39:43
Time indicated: 6:02:38
